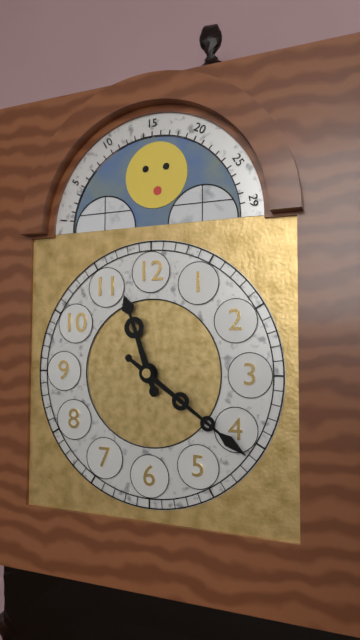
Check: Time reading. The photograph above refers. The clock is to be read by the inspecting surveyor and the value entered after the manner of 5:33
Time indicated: 11:21
